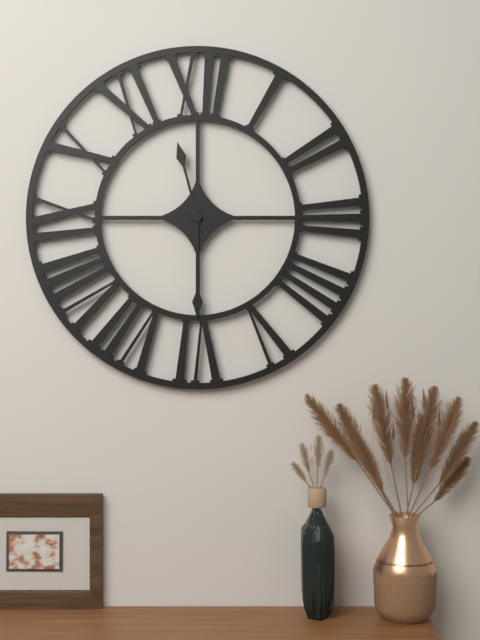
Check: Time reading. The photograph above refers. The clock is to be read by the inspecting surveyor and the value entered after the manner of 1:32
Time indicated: 11:30
